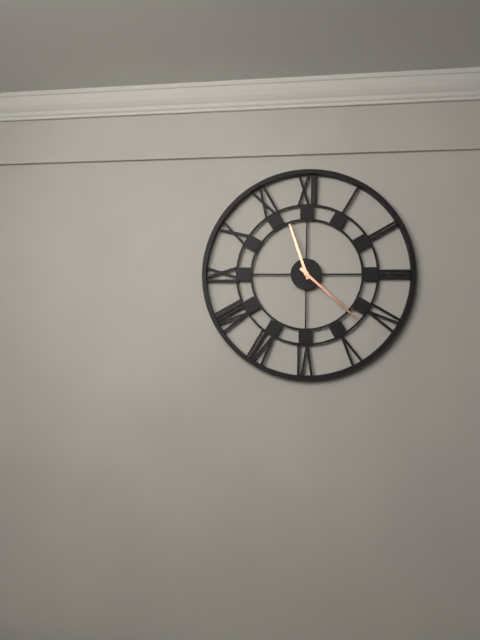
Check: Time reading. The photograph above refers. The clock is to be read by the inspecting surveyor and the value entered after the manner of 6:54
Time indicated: 11:22
